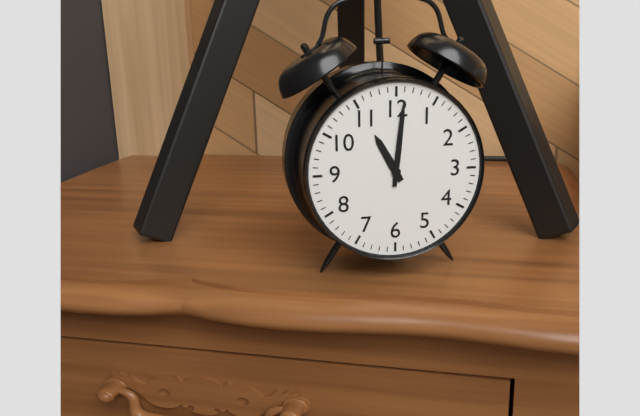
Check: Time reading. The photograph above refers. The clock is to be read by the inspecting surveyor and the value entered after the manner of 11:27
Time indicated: 11:01
